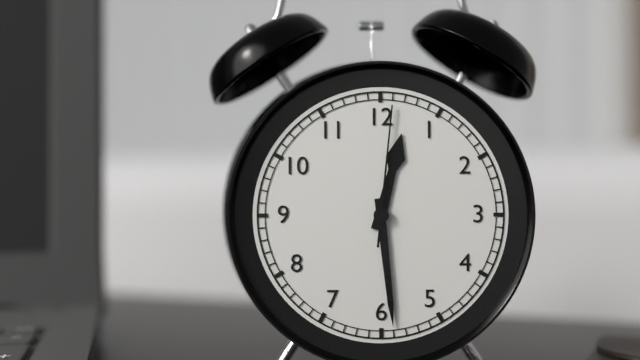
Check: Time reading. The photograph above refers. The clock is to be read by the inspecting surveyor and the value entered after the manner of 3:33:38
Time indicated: 12:29:01
